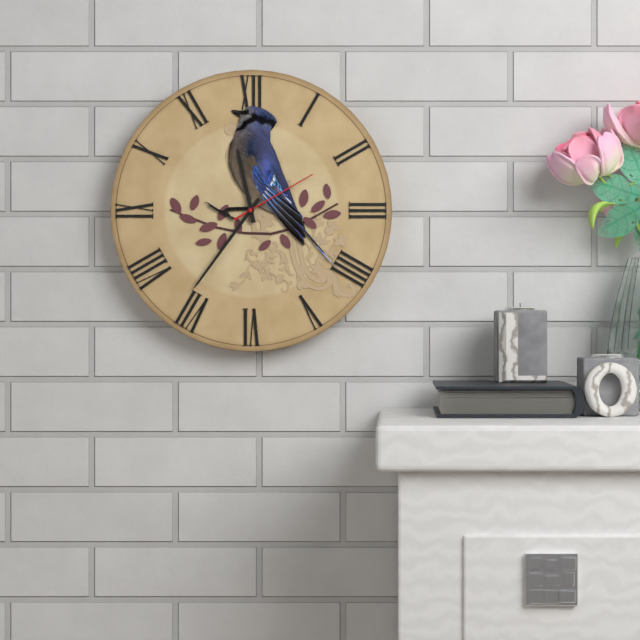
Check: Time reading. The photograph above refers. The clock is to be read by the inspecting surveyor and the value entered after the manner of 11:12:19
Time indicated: 11:36:10
